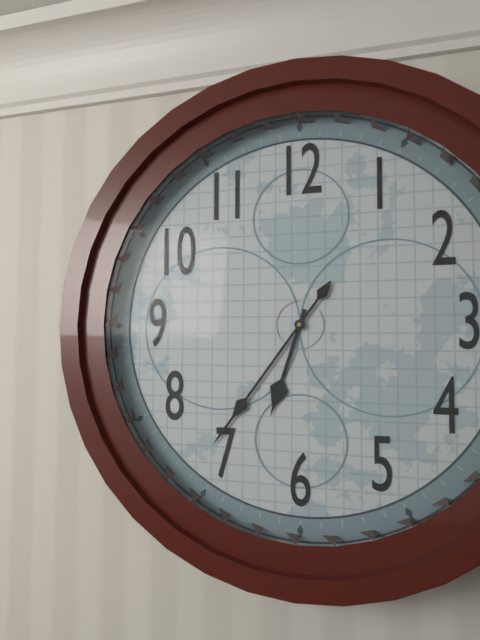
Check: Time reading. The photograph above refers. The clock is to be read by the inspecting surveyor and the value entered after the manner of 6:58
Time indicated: 6:36
